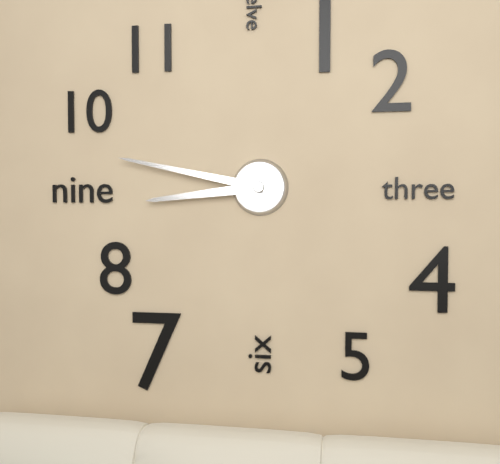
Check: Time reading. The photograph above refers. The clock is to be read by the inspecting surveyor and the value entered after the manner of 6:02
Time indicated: 8:47
